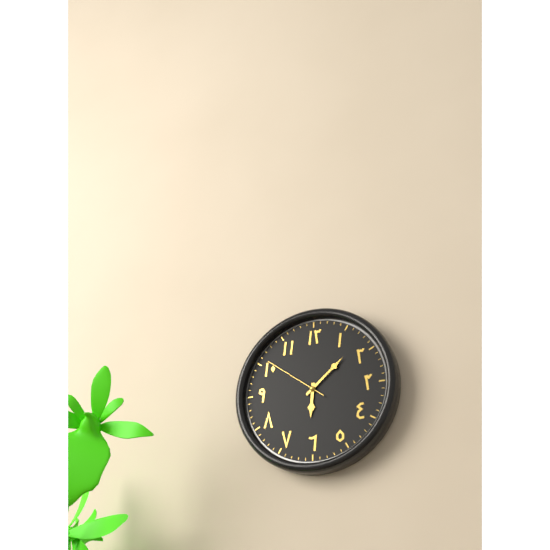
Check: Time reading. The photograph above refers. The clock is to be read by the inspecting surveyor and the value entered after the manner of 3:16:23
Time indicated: 6:08:51
